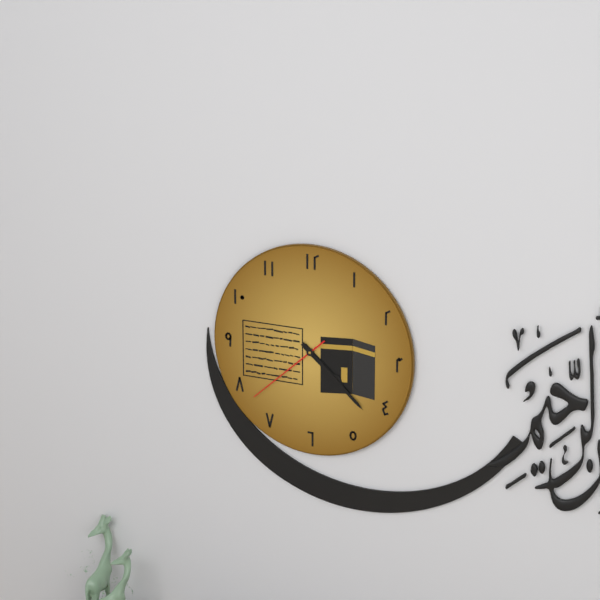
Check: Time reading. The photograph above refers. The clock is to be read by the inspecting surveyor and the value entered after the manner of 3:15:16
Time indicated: 4:22:38
